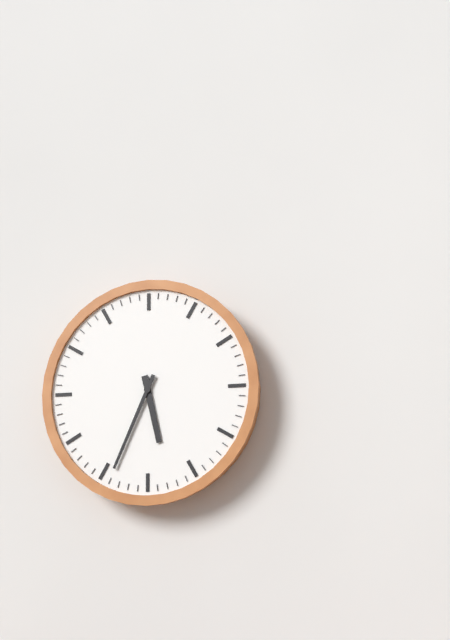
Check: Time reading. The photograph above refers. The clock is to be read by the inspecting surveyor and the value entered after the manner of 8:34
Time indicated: 5:34
